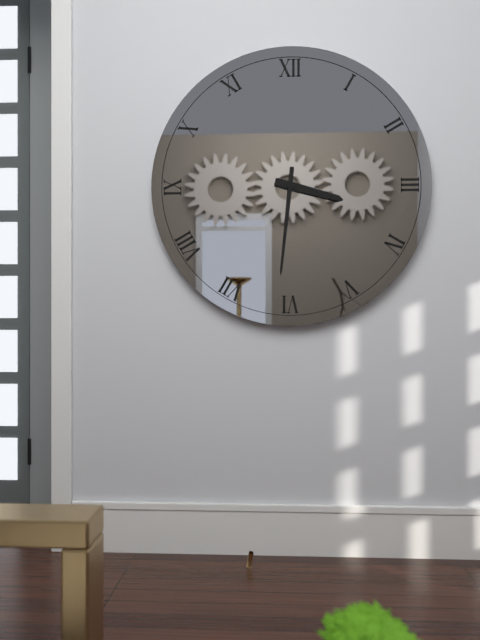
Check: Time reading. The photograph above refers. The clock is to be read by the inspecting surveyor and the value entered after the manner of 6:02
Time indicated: 3:31
